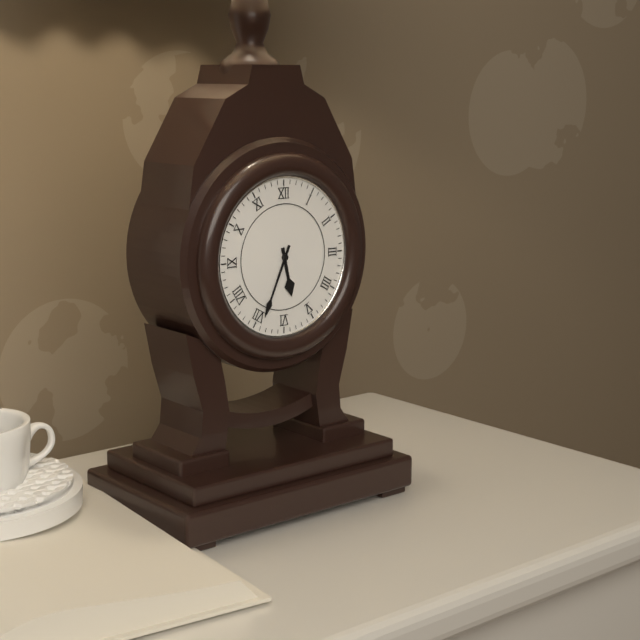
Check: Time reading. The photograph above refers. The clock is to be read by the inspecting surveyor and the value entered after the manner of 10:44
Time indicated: 5:34
